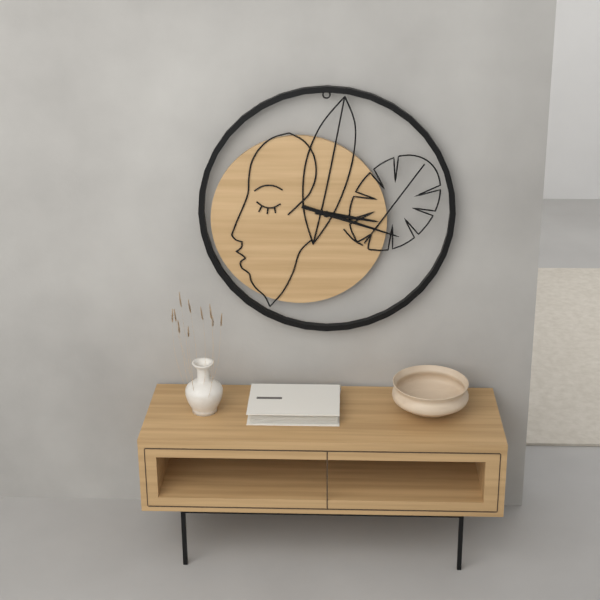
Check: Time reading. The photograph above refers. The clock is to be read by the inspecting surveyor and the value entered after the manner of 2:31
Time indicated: 3:18
